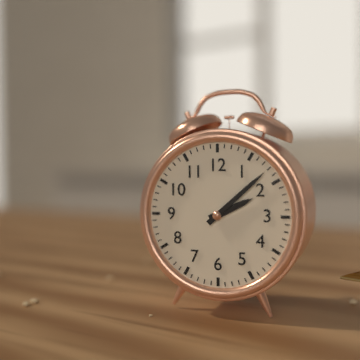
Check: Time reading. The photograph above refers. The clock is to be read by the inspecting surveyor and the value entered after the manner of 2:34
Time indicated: 2:08
